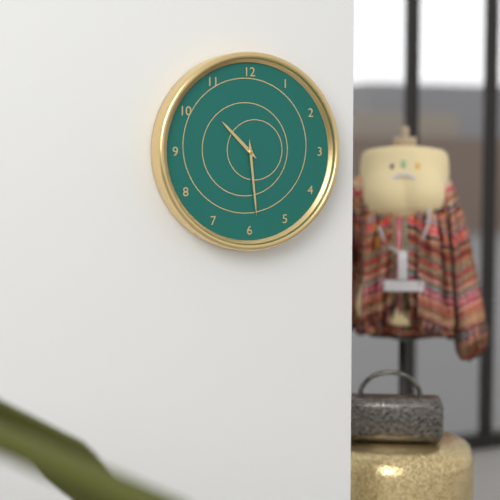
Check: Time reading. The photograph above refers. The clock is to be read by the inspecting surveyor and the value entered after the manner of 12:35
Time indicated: 10:29
